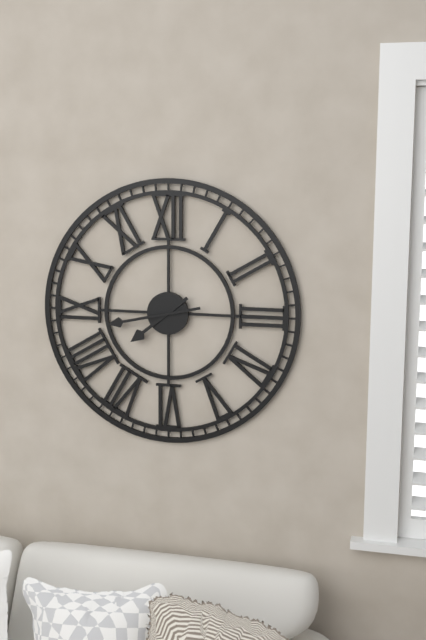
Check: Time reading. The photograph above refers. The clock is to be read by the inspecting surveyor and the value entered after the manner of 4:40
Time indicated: 7:43
